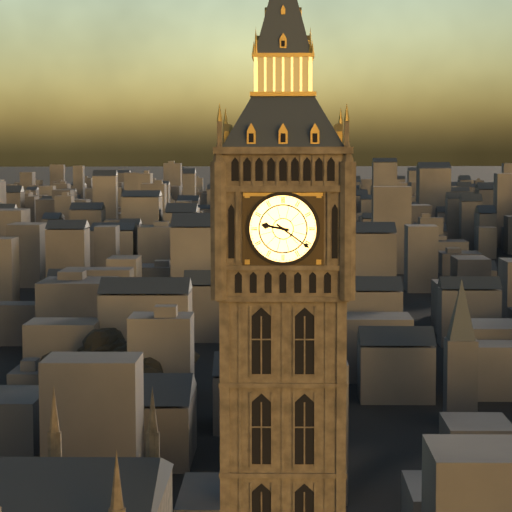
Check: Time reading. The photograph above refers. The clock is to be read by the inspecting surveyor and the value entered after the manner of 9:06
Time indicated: 9:21
